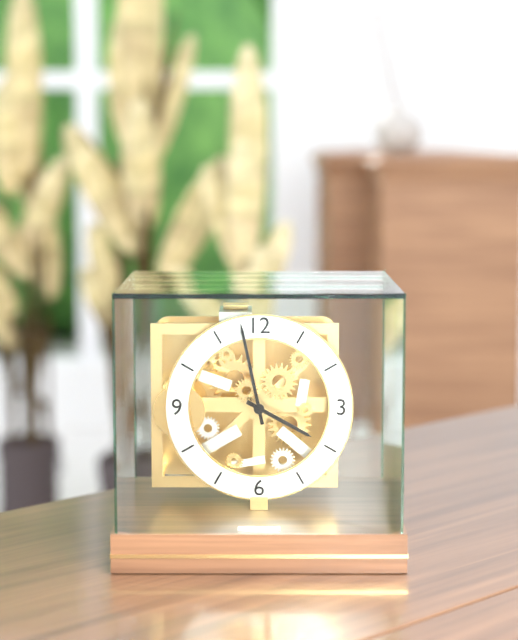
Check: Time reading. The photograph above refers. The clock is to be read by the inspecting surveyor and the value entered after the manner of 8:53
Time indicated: 3:58
